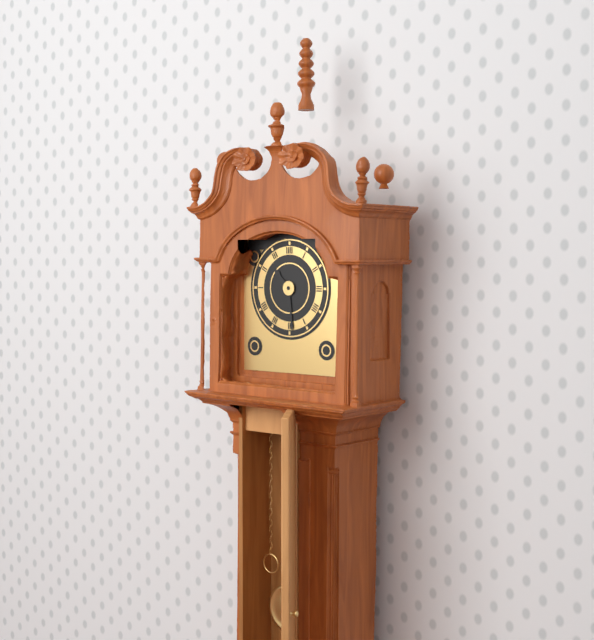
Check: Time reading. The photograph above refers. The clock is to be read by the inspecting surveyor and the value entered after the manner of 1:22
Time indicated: 10:29
